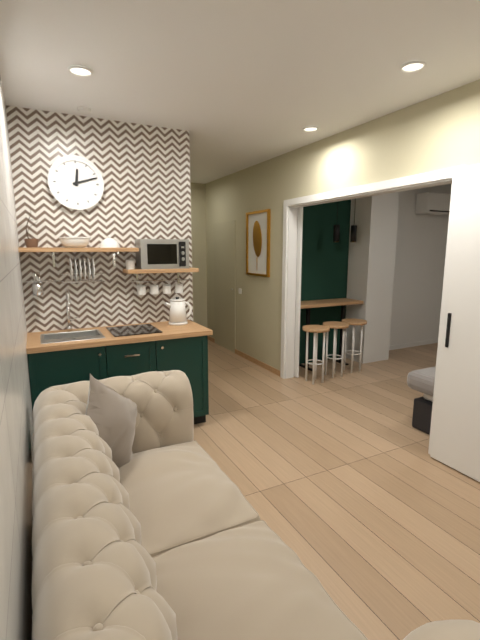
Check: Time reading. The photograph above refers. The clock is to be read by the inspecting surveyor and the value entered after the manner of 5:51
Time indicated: 12:12
